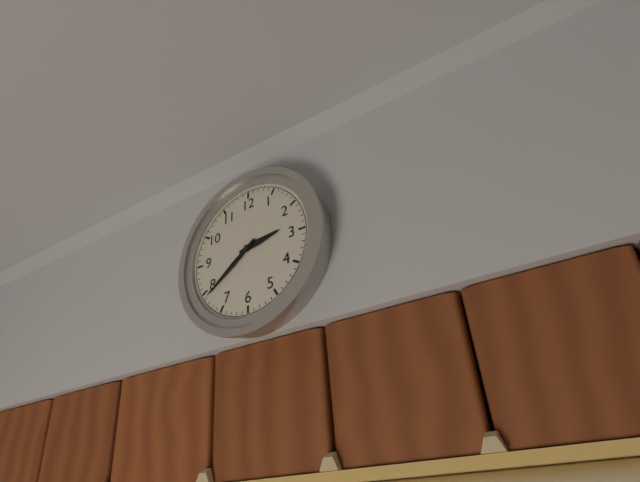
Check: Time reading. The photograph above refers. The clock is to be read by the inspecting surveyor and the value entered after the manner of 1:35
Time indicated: 2:39
